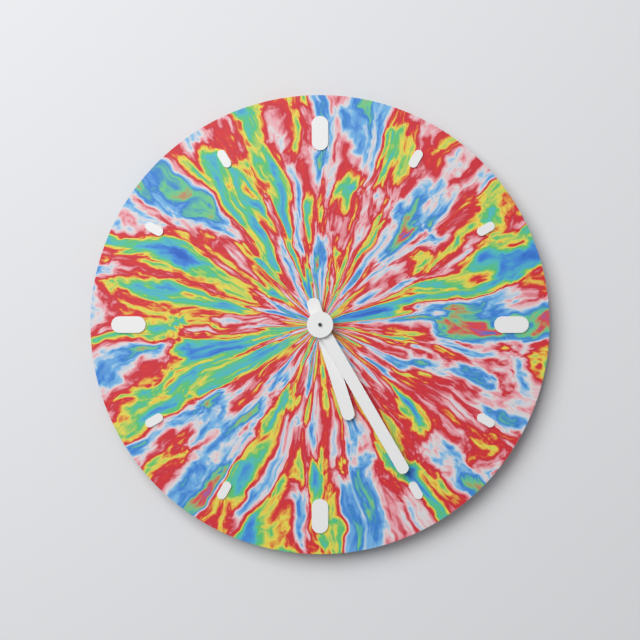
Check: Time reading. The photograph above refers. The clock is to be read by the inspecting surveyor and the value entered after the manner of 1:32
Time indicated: 5:25
